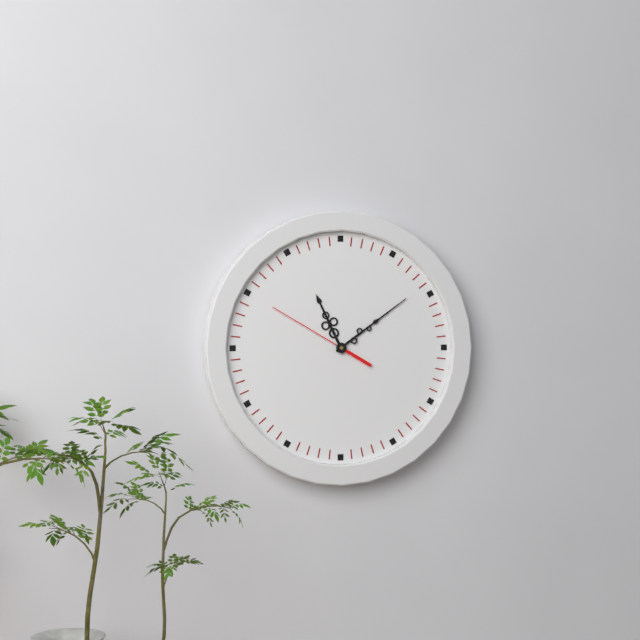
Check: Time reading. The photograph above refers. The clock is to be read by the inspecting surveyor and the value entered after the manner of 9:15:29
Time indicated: 11:09:50
